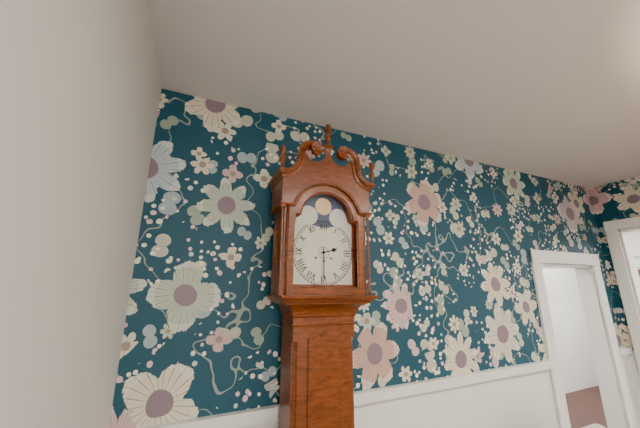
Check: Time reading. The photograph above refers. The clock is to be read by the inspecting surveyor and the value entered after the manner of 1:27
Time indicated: 2:30
